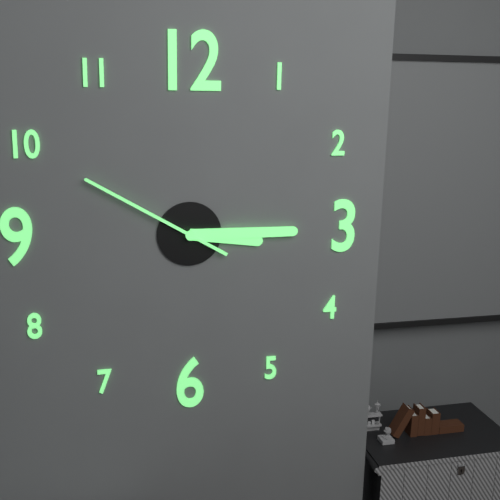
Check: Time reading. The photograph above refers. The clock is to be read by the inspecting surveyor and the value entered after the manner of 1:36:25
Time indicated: 3:15:50
